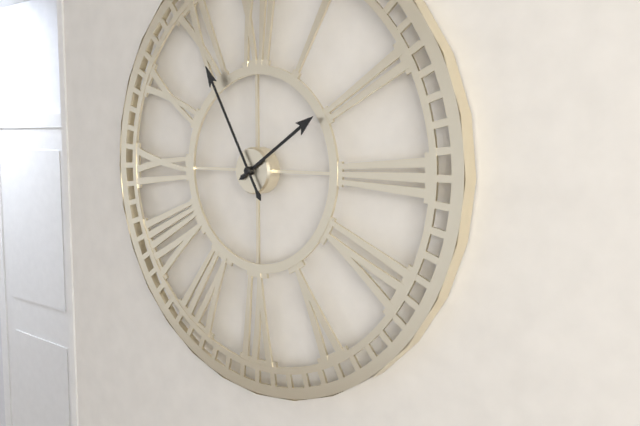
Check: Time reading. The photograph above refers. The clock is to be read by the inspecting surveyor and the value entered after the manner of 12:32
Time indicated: 1:55
